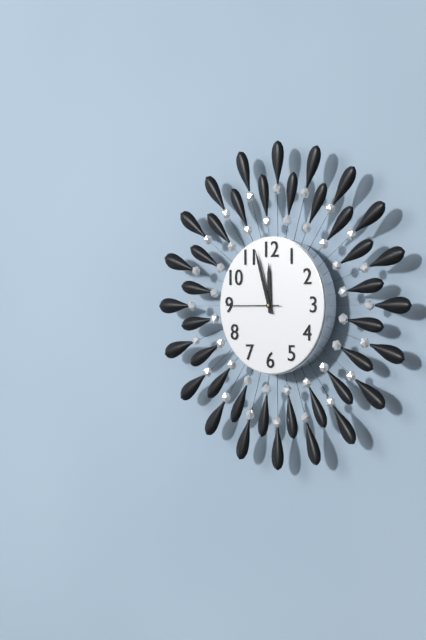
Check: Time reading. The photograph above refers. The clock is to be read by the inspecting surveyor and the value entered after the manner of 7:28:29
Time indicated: 11:57:45
